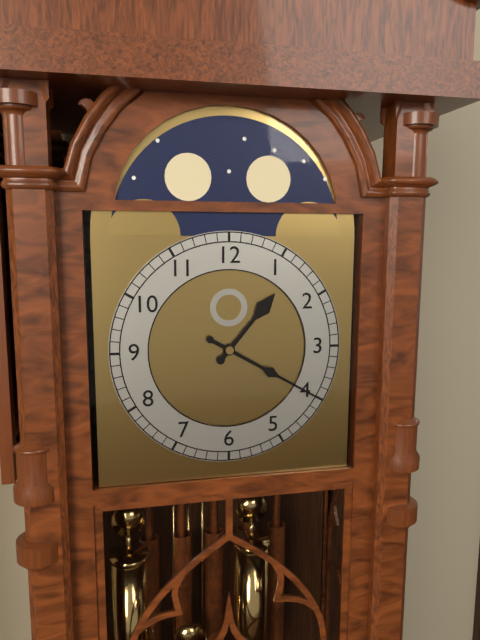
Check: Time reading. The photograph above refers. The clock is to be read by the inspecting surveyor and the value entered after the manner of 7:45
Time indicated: 1:20
